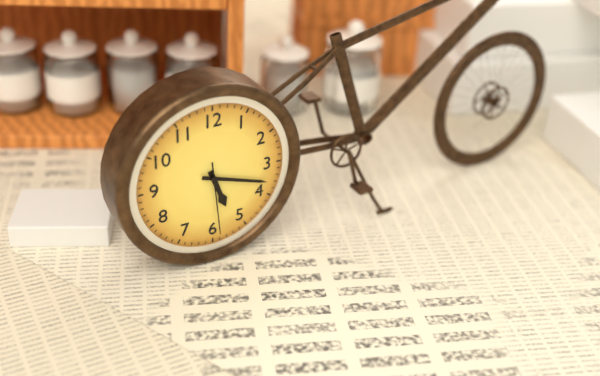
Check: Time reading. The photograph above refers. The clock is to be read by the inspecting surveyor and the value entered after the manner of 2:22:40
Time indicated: 5:18:29
